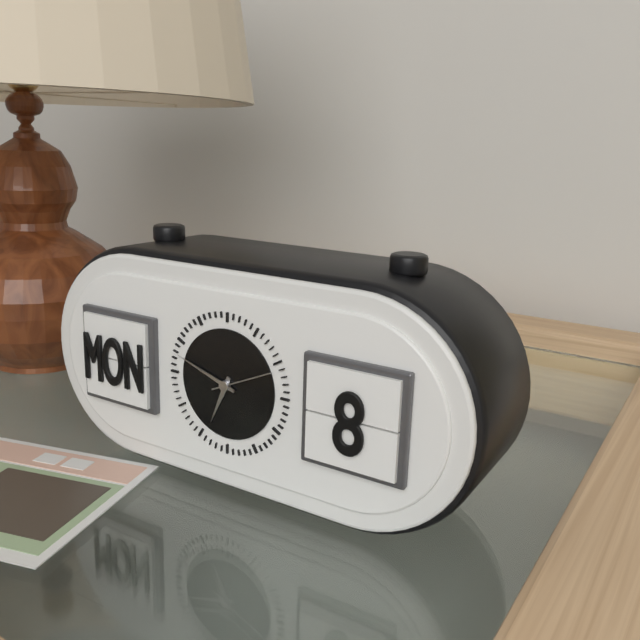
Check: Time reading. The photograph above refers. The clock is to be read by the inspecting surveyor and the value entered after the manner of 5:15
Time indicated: 6:48
